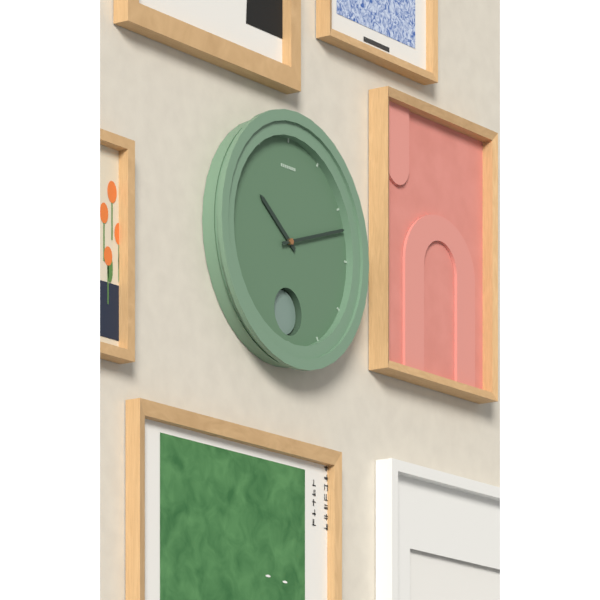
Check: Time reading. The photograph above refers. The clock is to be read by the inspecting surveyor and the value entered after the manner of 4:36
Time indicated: 10:12
